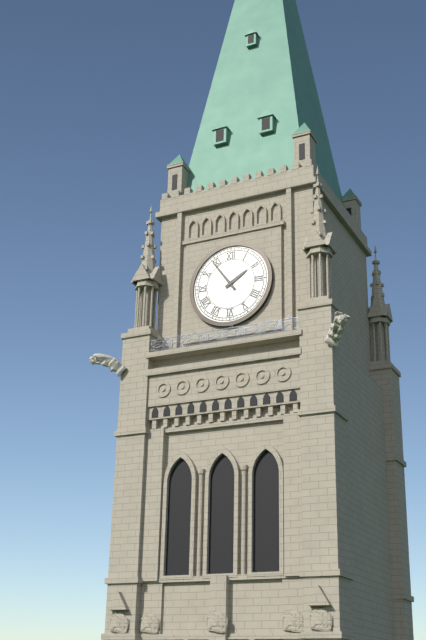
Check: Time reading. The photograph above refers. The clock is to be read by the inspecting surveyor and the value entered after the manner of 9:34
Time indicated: 1:54
